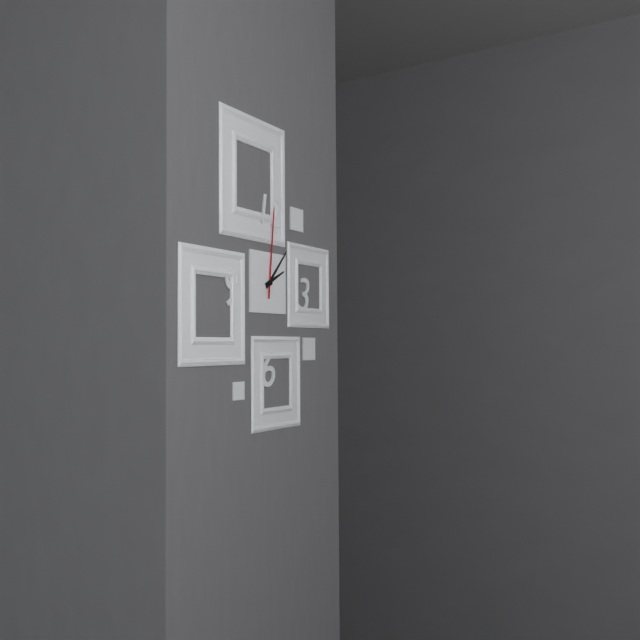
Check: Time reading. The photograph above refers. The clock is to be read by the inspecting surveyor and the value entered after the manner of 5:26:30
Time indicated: 2:07:01
